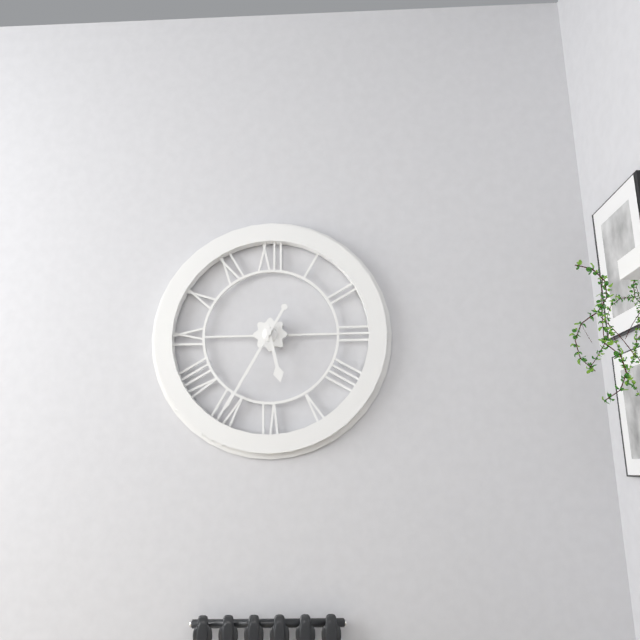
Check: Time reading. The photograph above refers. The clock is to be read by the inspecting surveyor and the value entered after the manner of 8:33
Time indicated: 5:35
